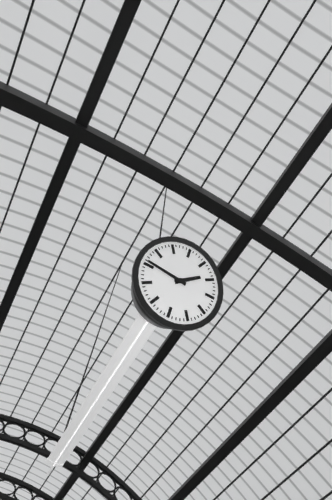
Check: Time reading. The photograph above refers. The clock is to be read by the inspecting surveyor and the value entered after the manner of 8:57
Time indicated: 1:46
